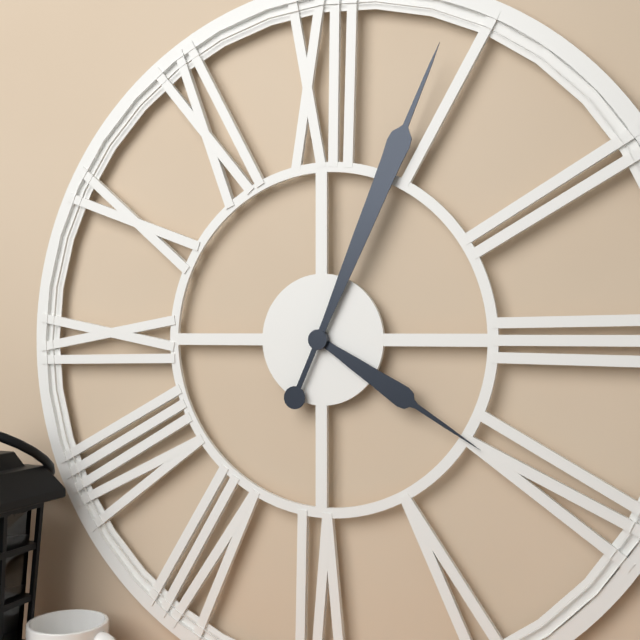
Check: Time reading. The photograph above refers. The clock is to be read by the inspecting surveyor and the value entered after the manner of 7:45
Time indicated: 4:04
